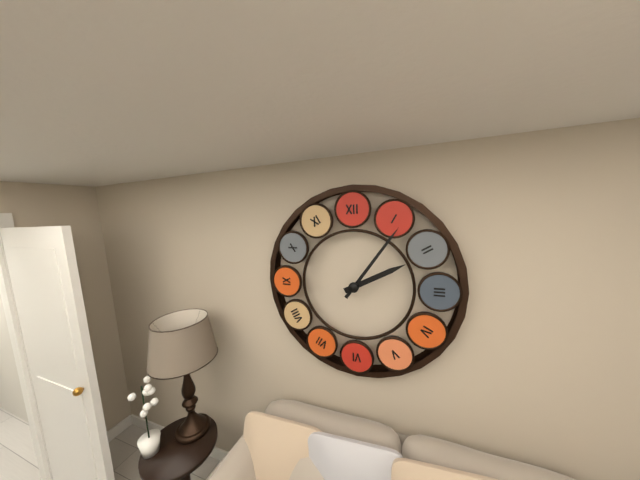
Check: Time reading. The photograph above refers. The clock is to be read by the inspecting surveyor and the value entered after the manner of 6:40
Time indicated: 2:06
